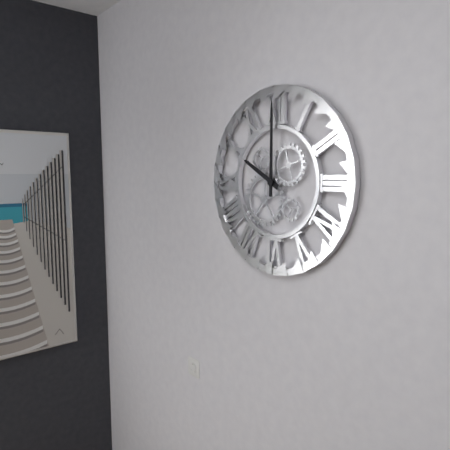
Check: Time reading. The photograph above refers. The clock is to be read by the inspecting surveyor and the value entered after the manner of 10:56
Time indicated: 10:00
